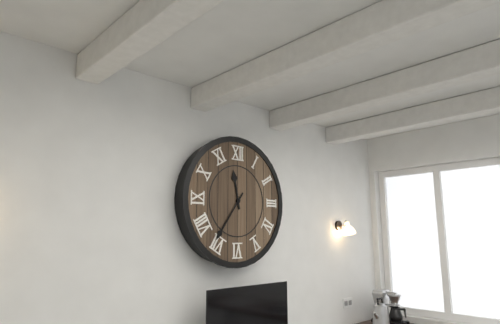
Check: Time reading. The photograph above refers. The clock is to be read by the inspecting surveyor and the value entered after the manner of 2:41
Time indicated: 11:36
